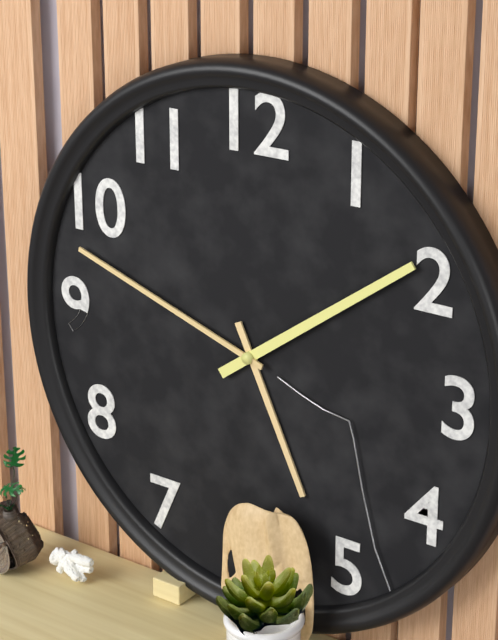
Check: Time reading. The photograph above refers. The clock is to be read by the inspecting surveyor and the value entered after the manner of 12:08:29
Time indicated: 5:09:48
